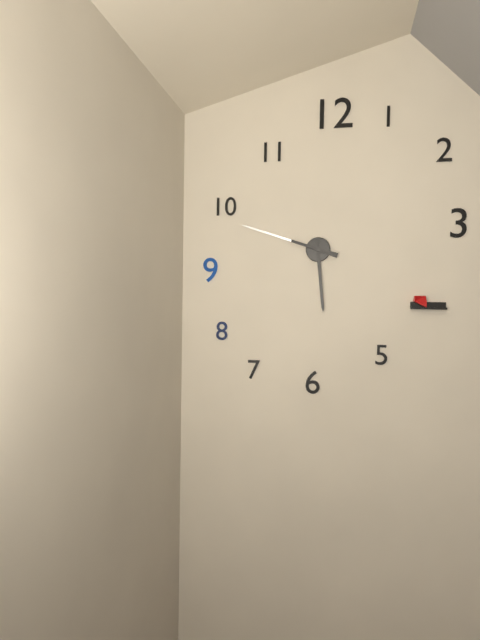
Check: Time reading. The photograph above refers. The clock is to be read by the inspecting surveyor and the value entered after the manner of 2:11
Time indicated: 5:48
